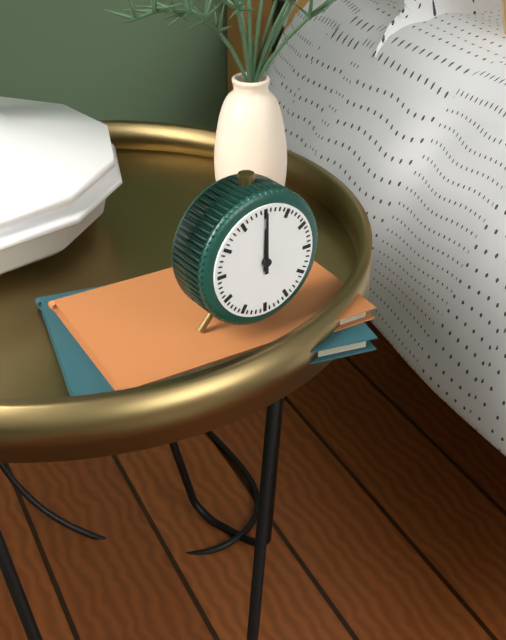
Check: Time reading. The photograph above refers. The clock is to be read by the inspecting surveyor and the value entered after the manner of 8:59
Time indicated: 12:00
